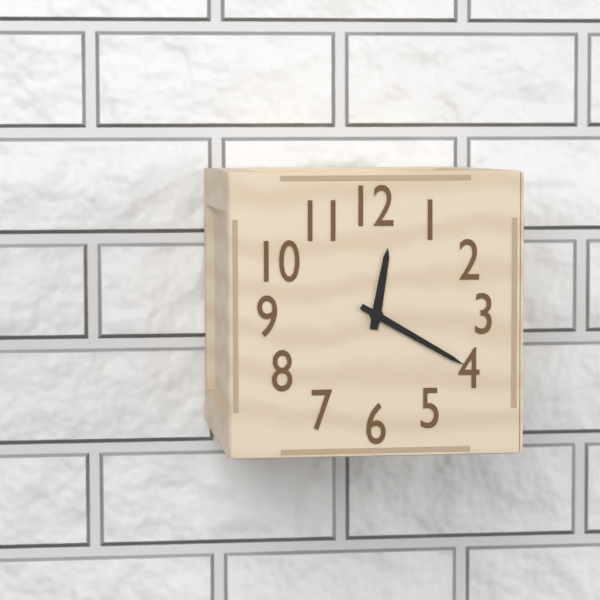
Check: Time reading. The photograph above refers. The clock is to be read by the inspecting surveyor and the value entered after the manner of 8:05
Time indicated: 12:20
